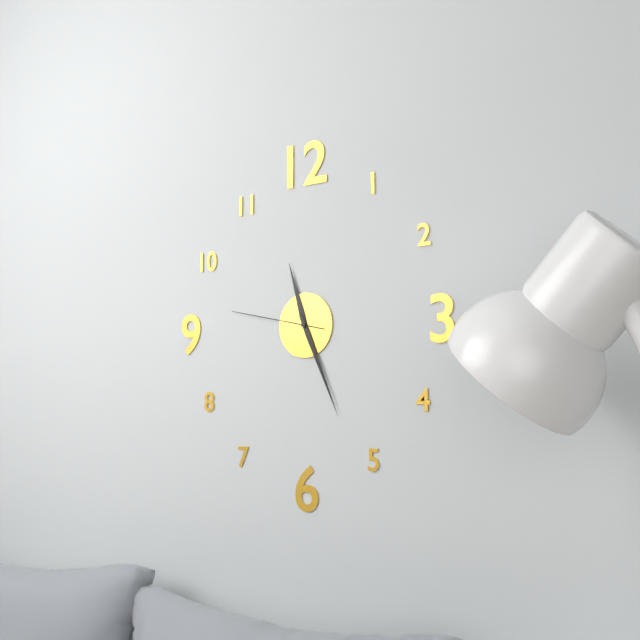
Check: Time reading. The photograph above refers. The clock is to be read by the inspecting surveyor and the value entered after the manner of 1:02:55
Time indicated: 11:26:47
